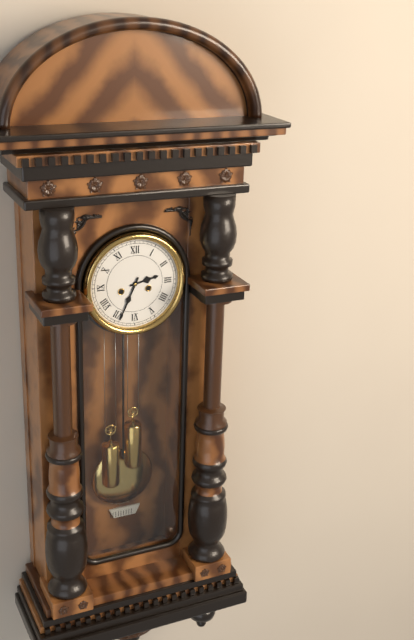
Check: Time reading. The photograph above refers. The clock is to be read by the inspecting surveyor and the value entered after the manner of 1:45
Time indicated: 2:34
